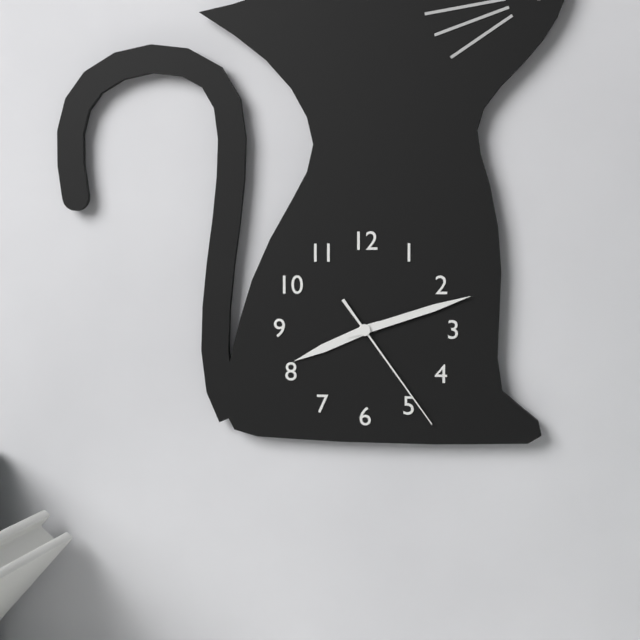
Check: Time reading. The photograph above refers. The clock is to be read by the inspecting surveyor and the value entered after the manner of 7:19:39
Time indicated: 8:12:24
